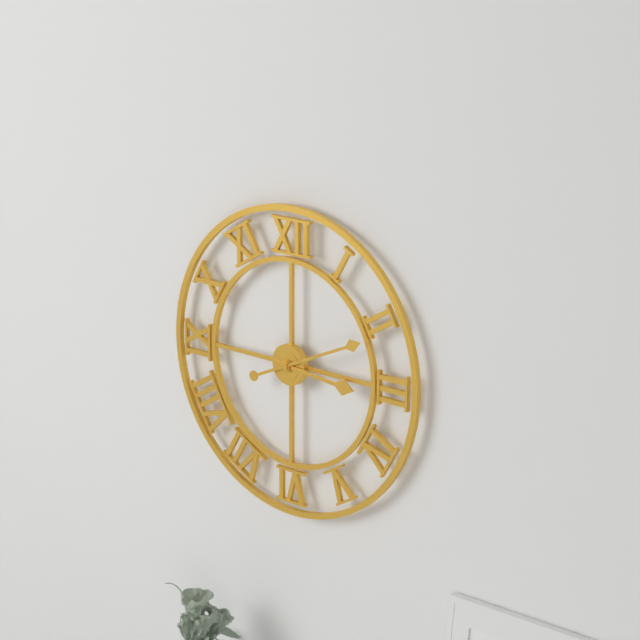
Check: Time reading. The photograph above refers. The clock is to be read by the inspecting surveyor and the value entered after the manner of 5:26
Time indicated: 3:11
